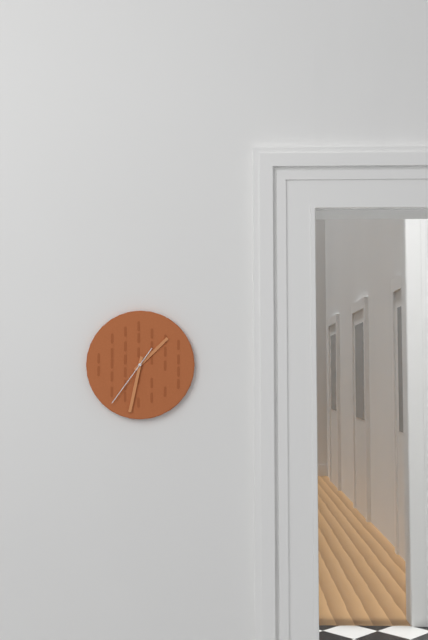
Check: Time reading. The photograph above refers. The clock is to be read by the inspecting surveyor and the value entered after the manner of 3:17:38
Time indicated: 1:32:36
